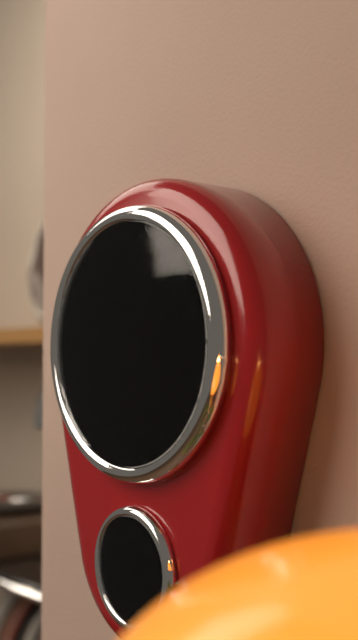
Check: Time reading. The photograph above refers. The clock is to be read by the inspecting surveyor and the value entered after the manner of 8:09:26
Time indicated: 5:53:00
